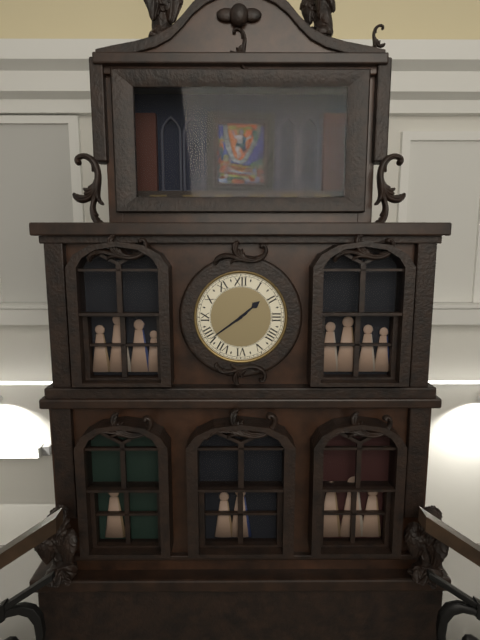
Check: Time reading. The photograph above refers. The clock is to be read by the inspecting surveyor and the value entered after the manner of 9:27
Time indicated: 1:39
